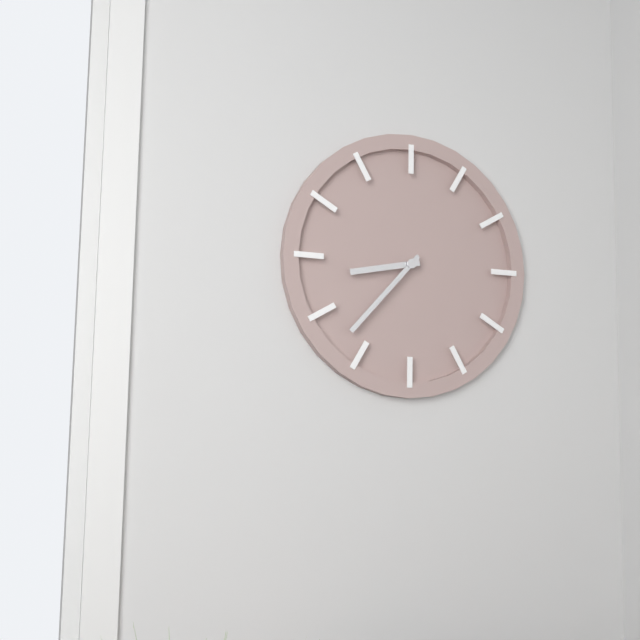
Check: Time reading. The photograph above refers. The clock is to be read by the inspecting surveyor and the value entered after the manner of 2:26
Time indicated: 8:37
